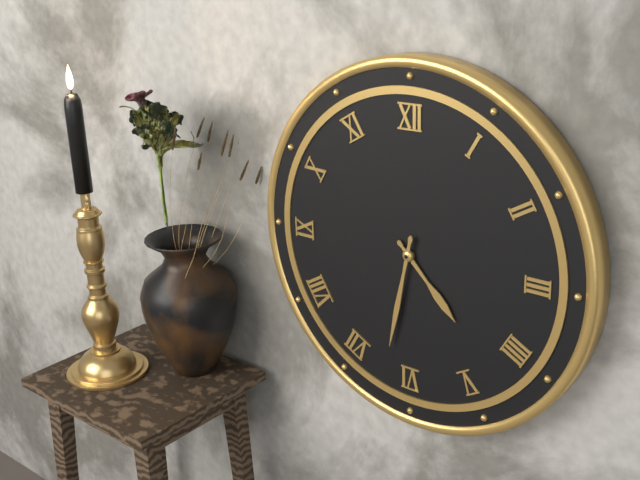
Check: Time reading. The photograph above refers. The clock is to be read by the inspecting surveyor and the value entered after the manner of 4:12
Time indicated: 4:32
